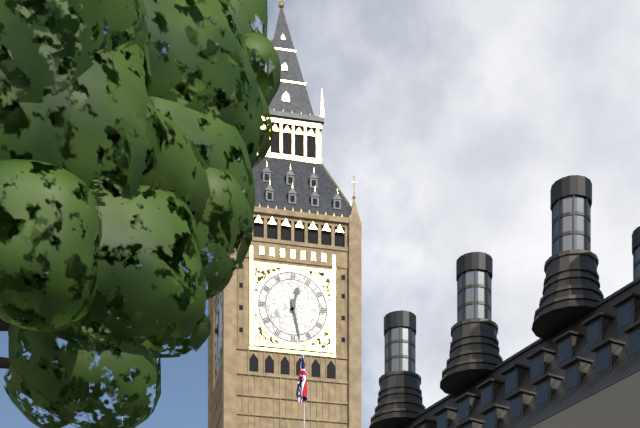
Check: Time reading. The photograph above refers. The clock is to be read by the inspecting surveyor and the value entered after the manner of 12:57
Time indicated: 12:28
